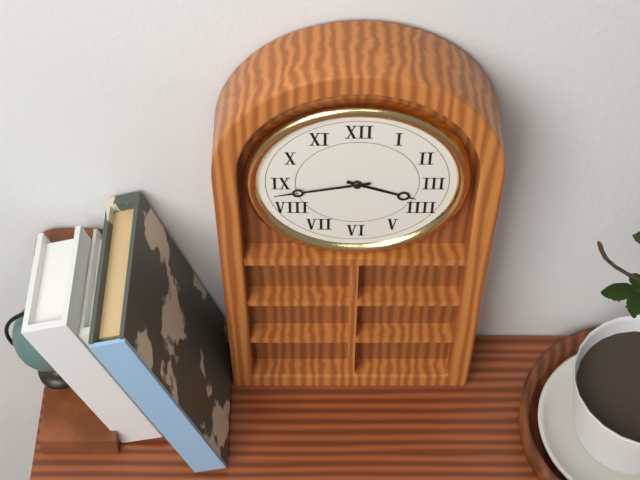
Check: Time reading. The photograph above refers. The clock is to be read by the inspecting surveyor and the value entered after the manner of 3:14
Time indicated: 3:43
